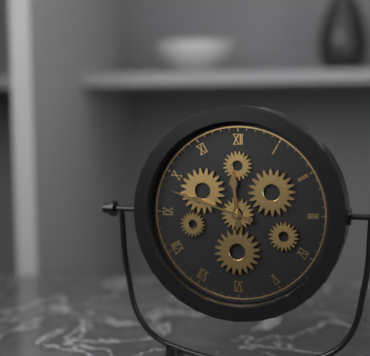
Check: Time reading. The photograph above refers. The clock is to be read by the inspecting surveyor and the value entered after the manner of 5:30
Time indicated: 11:48
